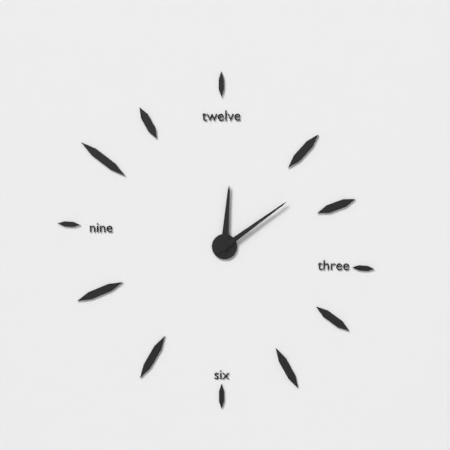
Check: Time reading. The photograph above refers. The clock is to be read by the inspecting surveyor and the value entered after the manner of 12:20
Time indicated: 12:09
